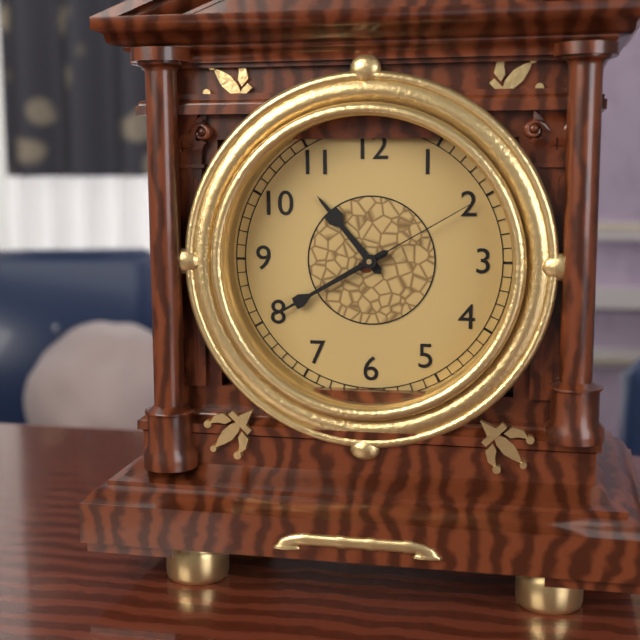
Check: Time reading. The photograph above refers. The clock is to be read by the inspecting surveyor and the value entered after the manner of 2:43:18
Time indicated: 10:40:10
